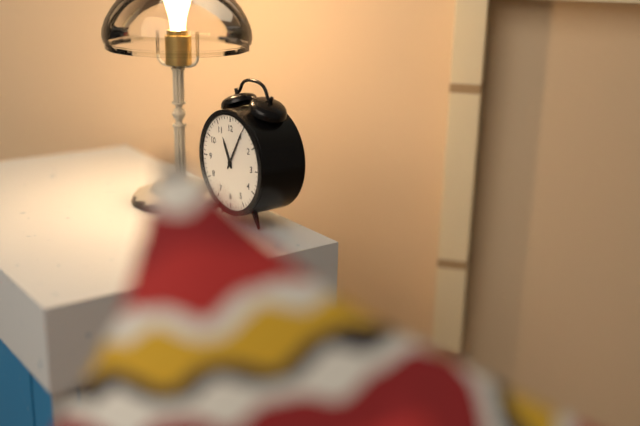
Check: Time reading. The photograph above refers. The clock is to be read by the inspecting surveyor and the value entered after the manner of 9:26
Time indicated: 11:05
